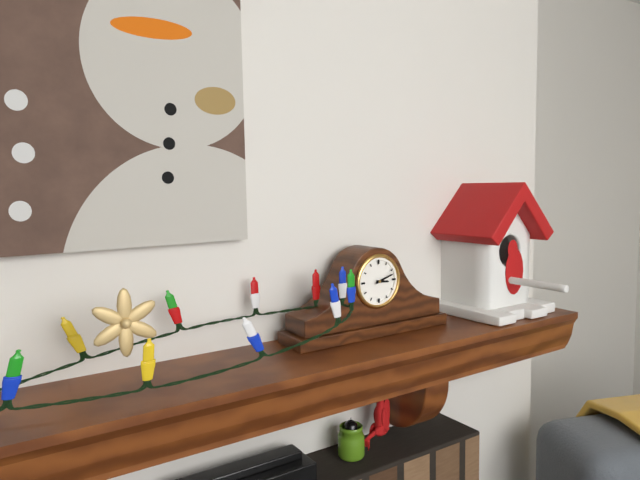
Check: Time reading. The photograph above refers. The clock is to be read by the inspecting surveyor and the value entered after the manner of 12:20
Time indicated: 3:12
